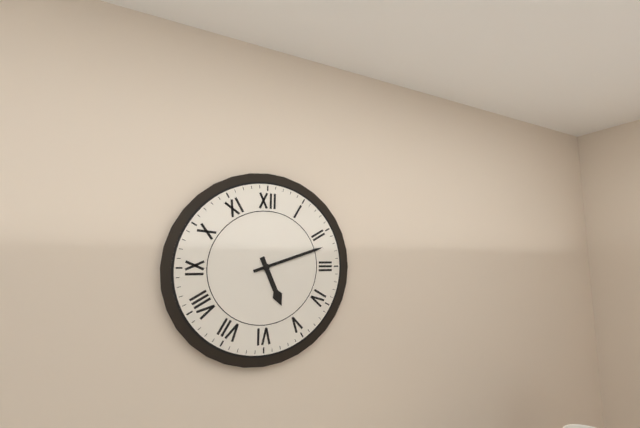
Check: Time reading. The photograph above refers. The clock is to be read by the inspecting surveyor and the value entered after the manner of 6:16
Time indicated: 5:12
